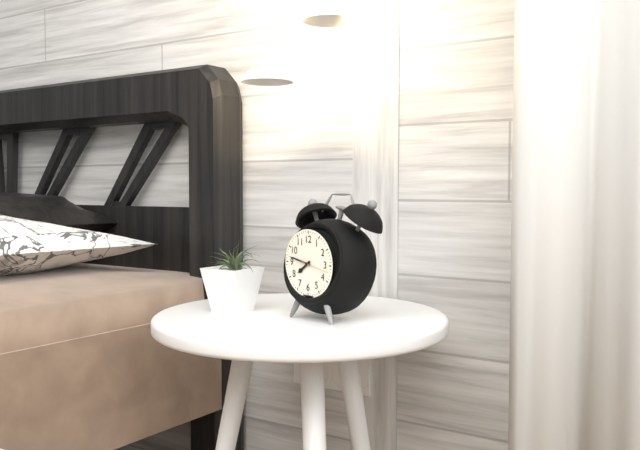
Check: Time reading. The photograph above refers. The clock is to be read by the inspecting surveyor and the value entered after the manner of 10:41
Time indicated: 7:47
